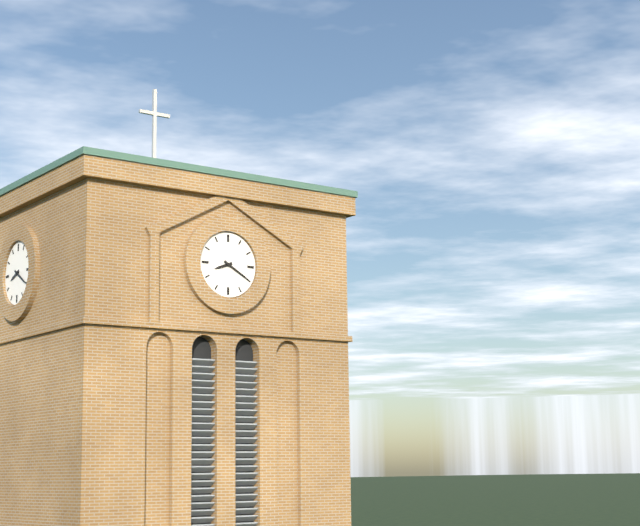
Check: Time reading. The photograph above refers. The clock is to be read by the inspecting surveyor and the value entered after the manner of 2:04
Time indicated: 8:20
